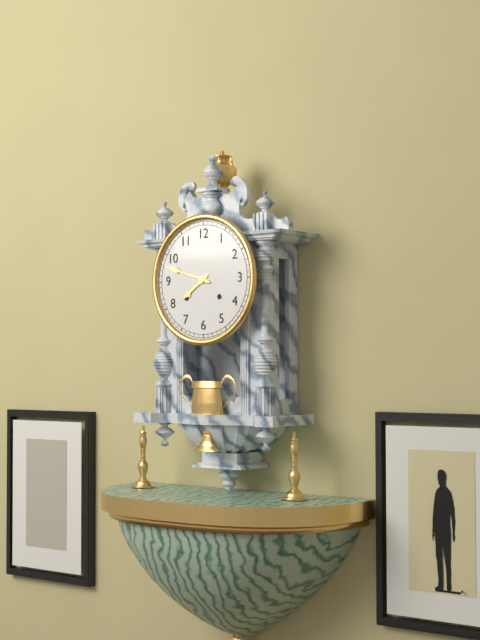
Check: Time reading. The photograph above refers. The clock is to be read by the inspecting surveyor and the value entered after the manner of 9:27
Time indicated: 7:48
